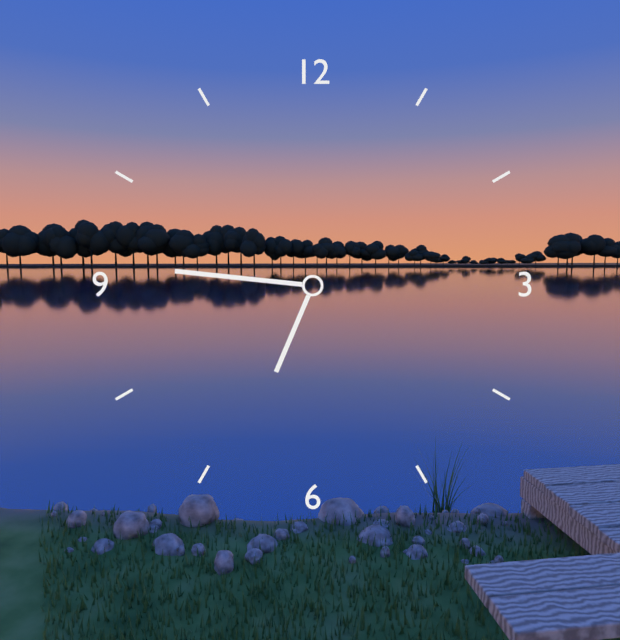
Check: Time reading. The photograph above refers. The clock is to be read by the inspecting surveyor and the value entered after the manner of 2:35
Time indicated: 6:46
